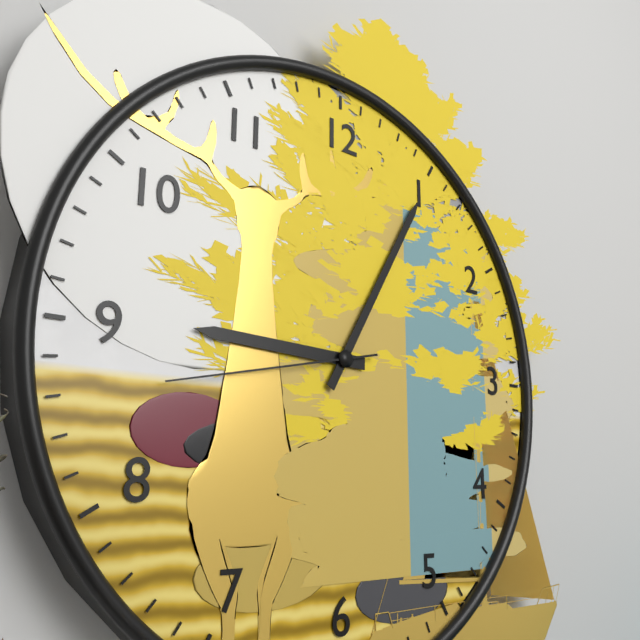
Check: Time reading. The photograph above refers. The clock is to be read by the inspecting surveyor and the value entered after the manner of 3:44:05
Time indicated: 9:05:43
